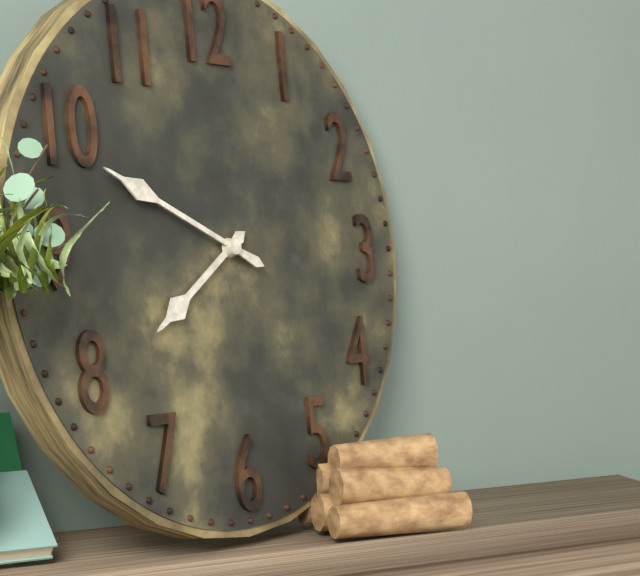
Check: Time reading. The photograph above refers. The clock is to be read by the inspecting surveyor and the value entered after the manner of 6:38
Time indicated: 7:49
